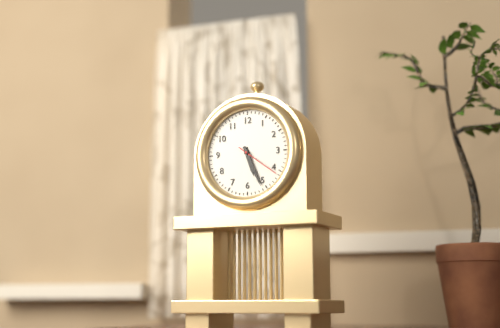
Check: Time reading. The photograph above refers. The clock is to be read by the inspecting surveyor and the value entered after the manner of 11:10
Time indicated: 5:26
